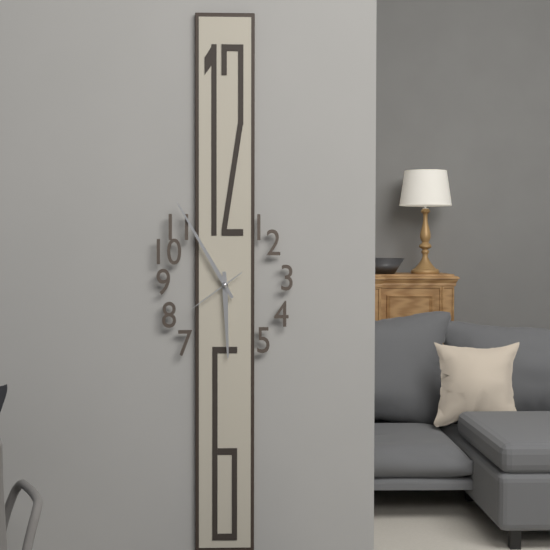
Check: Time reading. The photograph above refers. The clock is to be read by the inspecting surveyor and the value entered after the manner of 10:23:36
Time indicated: 5:55:39
